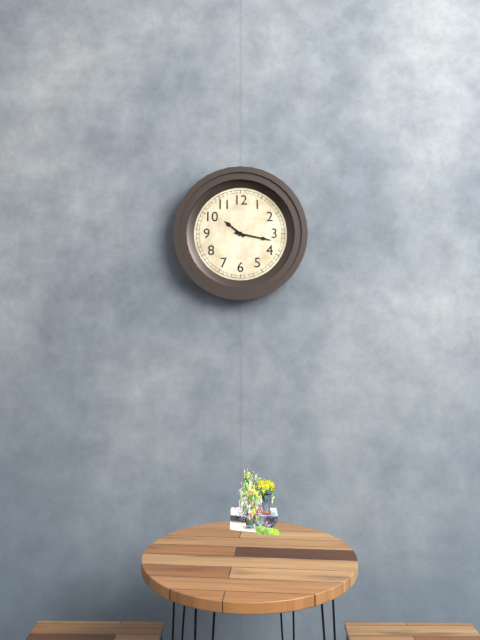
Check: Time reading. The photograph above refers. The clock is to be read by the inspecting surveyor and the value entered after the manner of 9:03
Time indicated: 10:17
